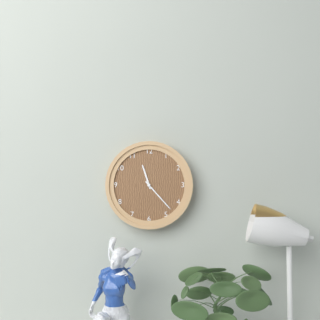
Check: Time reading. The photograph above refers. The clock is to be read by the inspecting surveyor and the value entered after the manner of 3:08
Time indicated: 11:23
